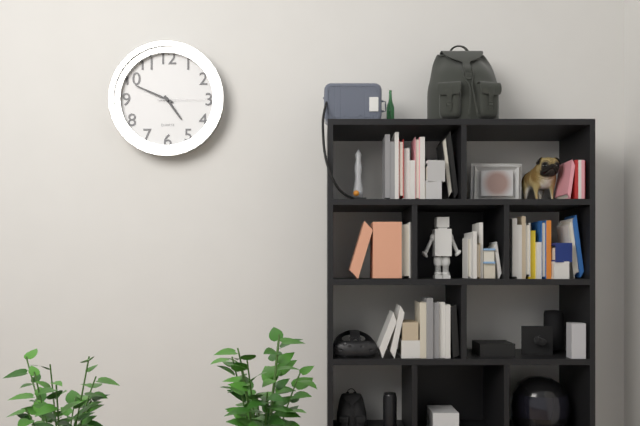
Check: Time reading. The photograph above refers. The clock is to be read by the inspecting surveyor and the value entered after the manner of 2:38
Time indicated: 4:49
